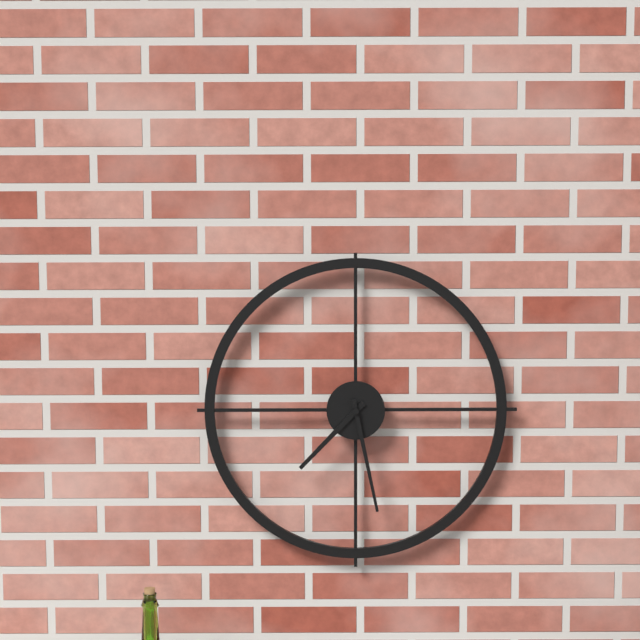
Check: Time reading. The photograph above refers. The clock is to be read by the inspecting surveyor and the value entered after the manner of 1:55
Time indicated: 7:28
